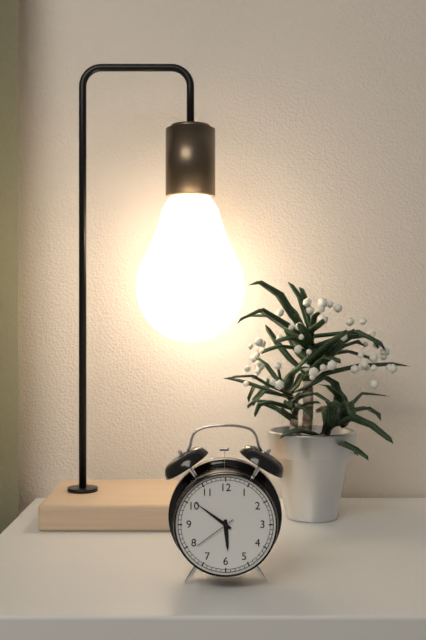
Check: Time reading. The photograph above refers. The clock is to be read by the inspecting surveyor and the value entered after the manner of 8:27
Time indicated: 5:51
